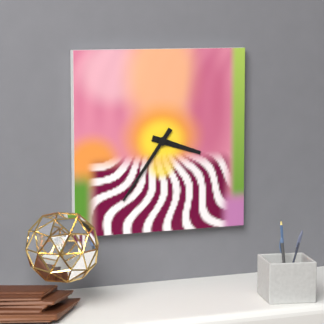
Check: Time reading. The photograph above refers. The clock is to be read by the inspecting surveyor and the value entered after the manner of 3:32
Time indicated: 3:36
